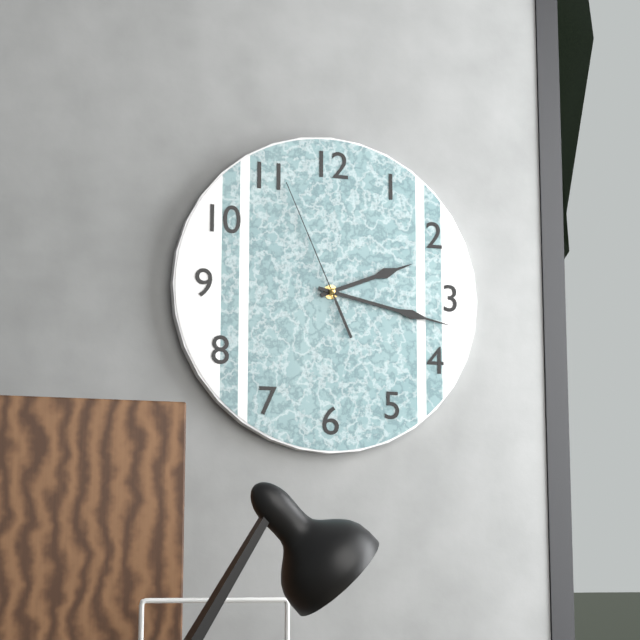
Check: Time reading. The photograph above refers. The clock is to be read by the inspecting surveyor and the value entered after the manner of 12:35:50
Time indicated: 2:17:56
